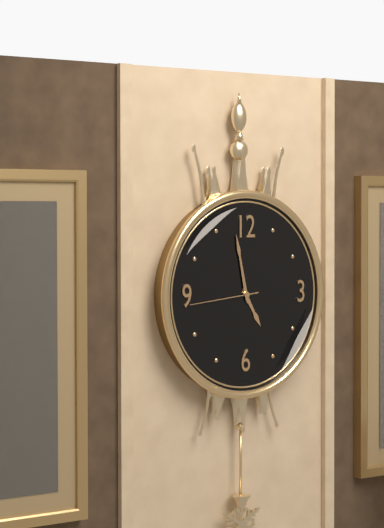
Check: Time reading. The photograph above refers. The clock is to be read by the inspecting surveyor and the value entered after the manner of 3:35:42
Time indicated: 4:58:44
